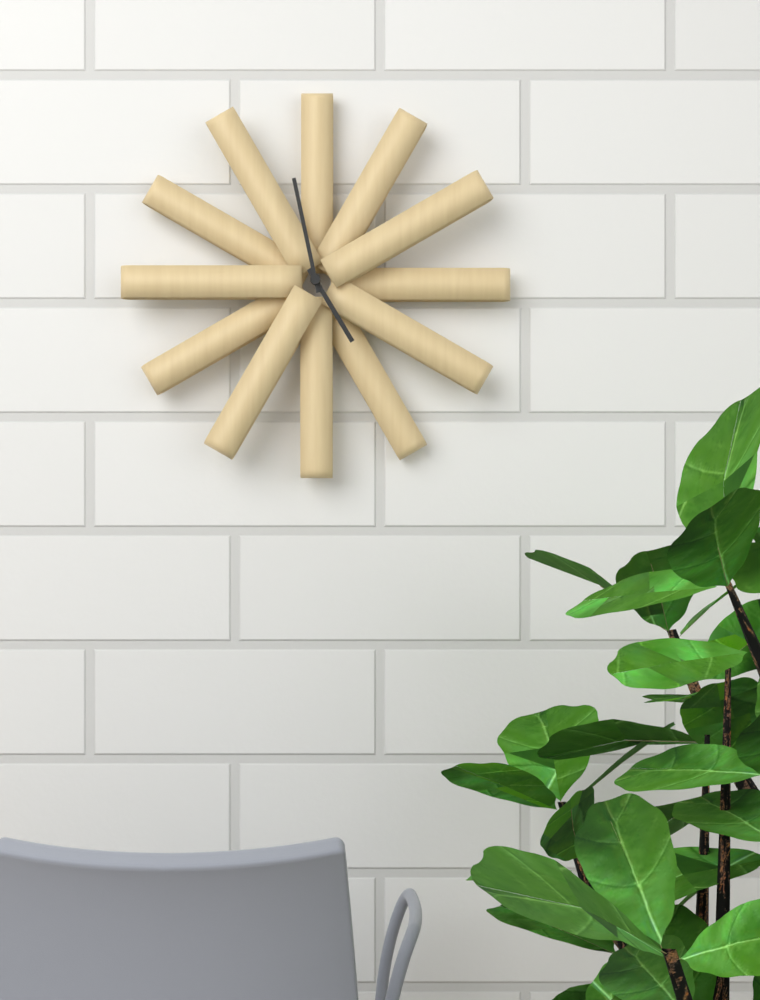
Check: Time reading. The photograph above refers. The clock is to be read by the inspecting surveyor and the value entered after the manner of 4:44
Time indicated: 4:58
